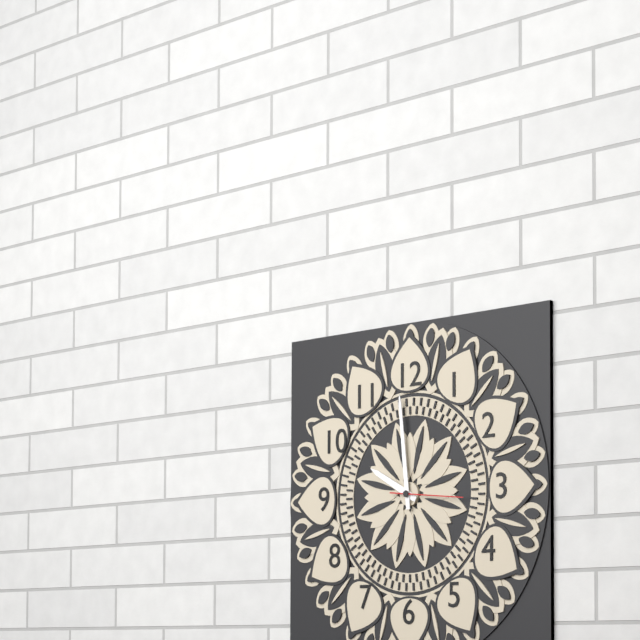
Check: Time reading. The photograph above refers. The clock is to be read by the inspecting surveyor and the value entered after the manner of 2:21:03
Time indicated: 9:59:16
